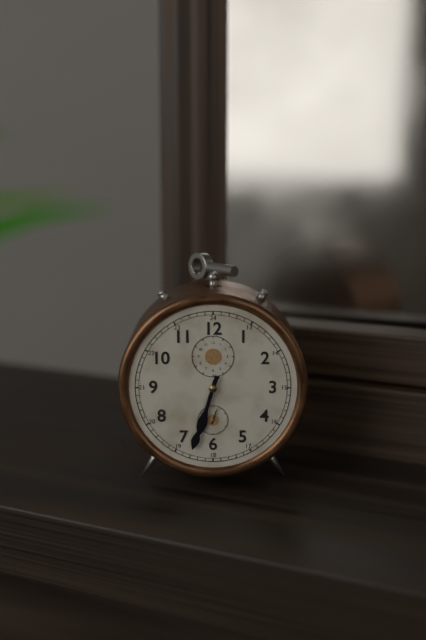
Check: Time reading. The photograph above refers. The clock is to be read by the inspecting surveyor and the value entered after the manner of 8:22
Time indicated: 6:33
